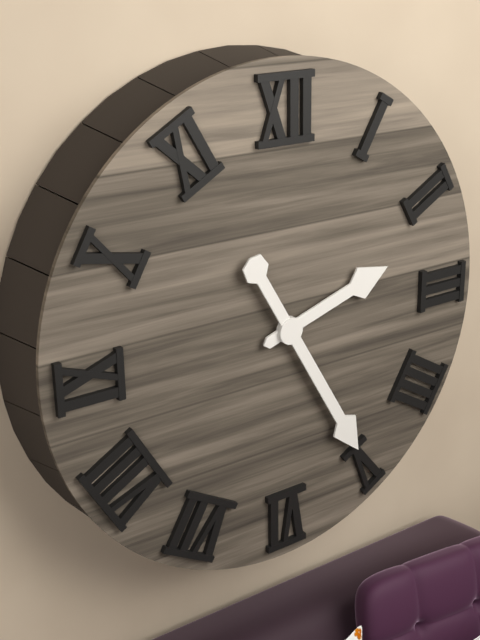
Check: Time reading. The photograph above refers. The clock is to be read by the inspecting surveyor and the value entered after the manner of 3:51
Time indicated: 2:25
